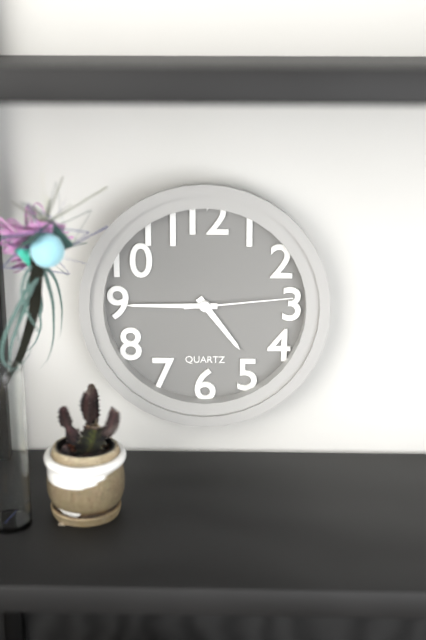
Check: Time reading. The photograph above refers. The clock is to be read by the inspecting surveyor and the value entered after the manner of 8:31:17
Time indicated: 4:45:14
